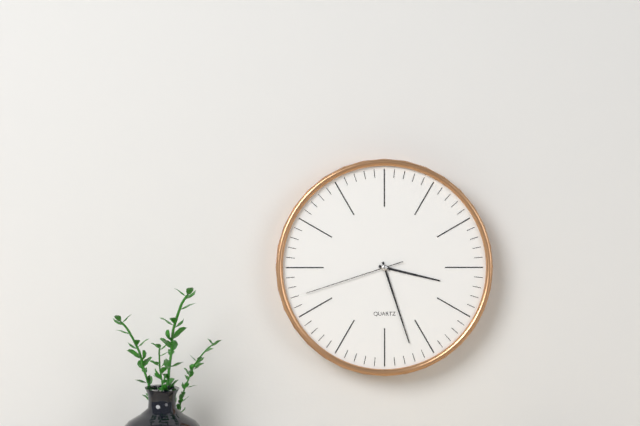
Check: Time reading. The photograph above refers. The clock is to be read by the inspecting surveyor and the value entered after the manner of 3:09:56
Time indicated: 3:27:42
